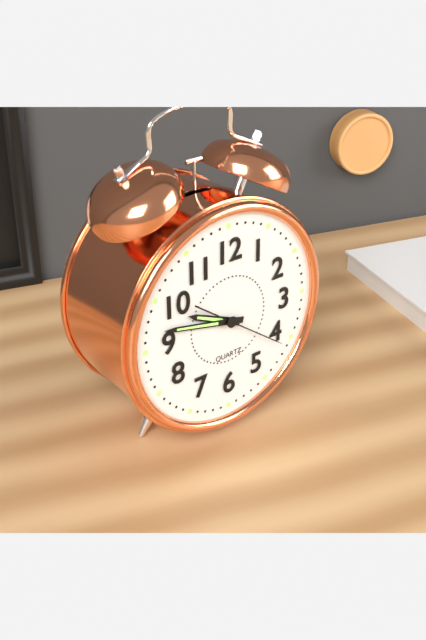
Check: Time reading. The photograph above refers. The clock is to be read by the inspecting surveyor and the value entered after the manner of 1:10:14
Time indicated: 9:47:21
